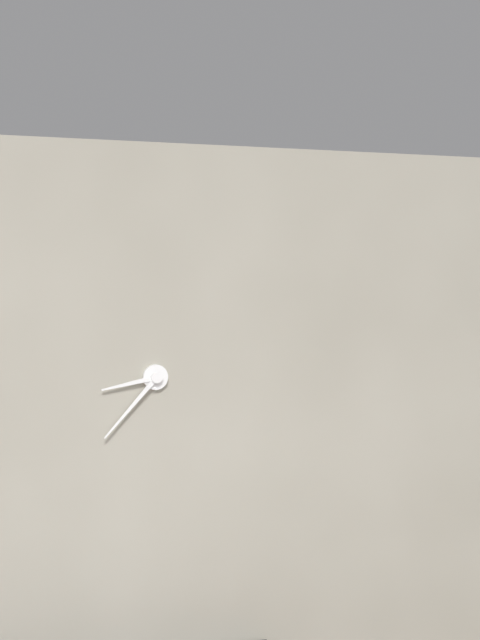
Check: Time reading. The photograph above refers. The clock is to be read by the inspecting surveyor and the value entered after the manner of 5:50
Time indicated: 8:37
